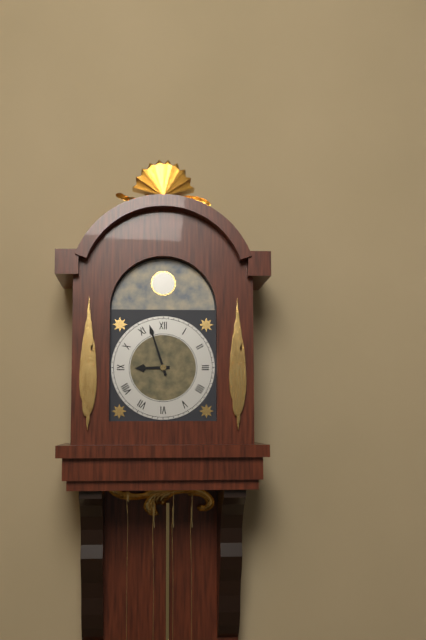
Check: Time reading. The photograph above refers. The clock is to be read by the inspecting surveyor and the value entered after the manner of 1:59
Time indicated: 8:57
